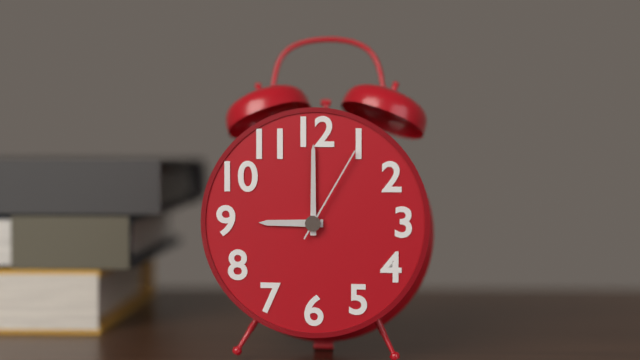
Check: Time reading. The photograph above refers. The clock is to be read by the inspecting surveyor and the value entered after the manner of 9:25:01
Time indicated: 9:00:05
